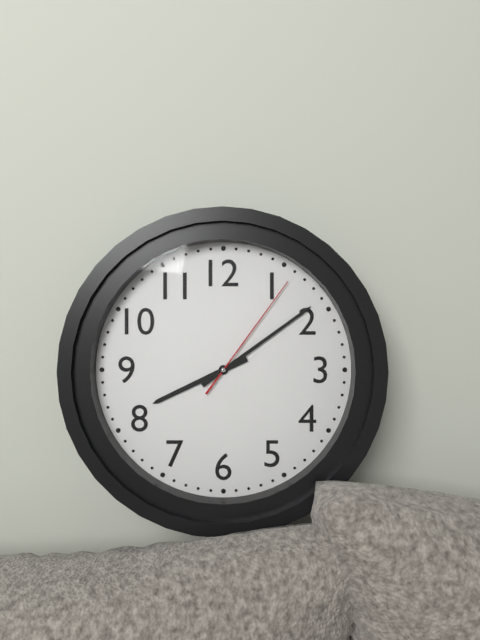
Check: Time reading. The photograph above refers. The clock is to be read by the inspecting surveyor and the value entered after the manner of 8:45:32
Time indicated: 8:09:06
